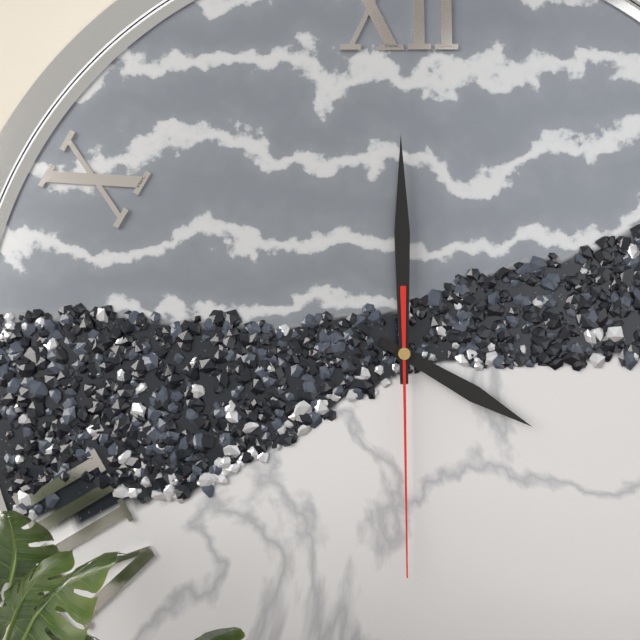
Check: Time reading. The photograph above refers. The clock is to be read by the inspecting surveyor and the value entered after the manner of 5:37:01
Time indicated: 4:00:30
